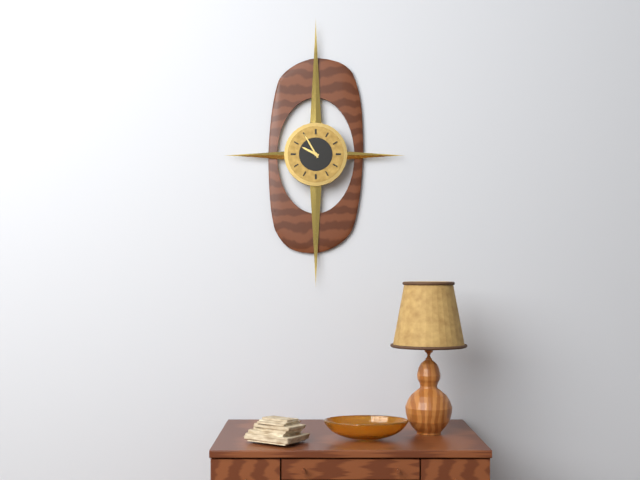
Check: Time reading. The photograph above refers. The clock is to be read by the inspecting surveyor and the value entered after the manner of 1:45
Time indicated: 9:55
